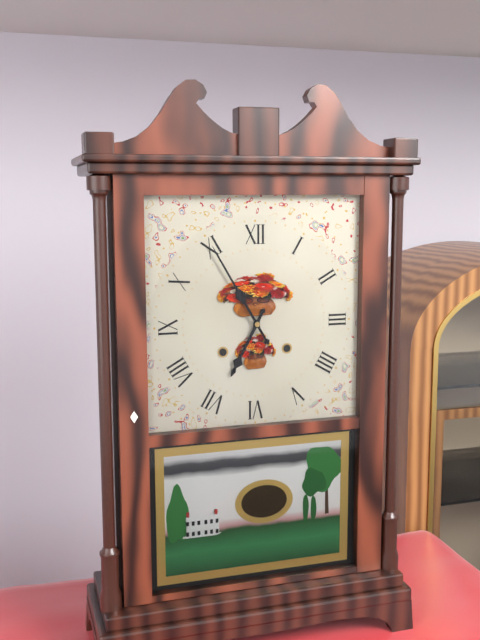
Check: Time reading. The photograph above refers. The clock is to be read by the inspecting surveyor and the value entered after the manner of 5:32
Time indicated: 6:55
